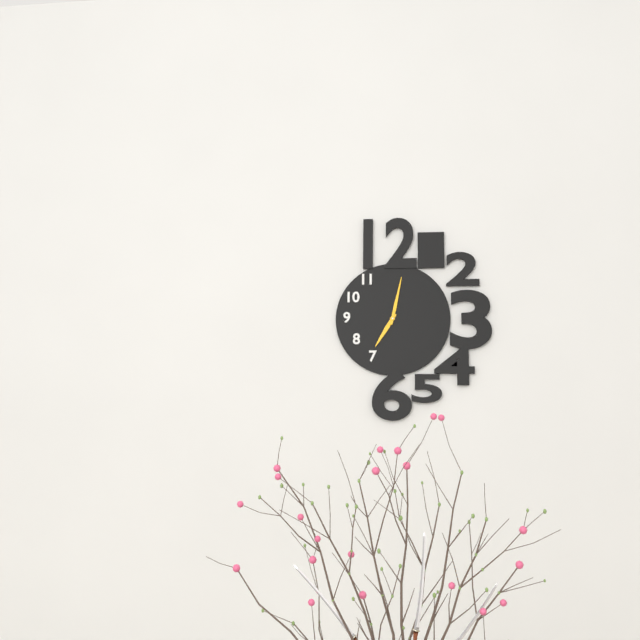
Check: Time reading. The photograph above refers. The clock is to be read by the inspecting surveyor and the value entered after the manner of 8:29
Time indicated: 7:02
